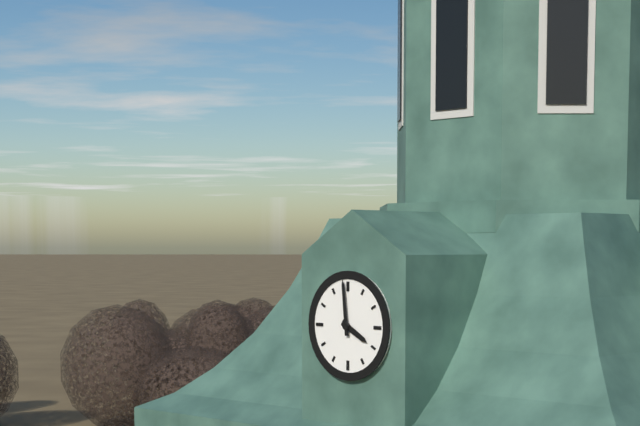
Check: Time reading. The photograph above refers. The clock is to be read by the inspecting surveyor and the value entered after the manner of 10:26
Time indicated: 3:59
